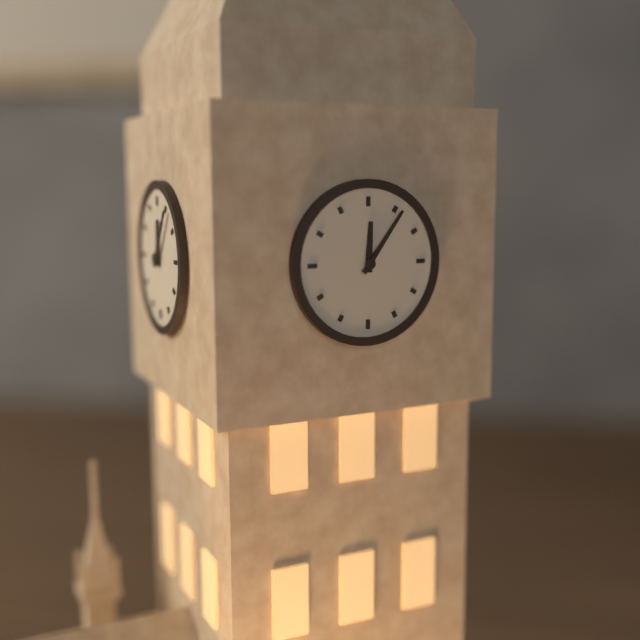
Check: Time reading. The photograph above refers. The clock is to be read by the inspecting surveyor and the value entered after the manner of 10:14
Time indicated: 12:06
